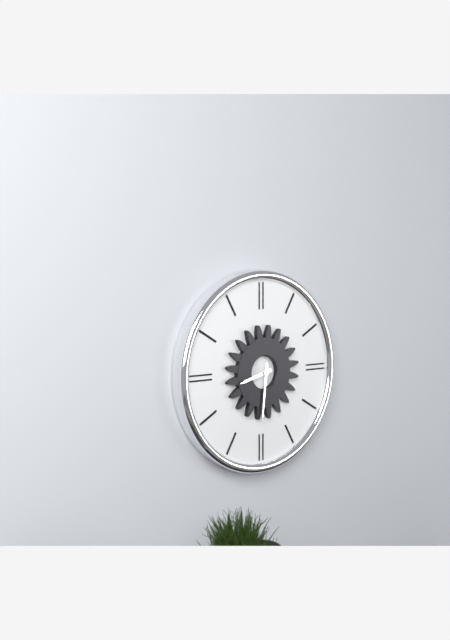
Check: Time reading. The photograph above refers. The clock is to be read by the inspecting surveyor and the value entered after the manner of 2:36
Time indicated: 8:31
